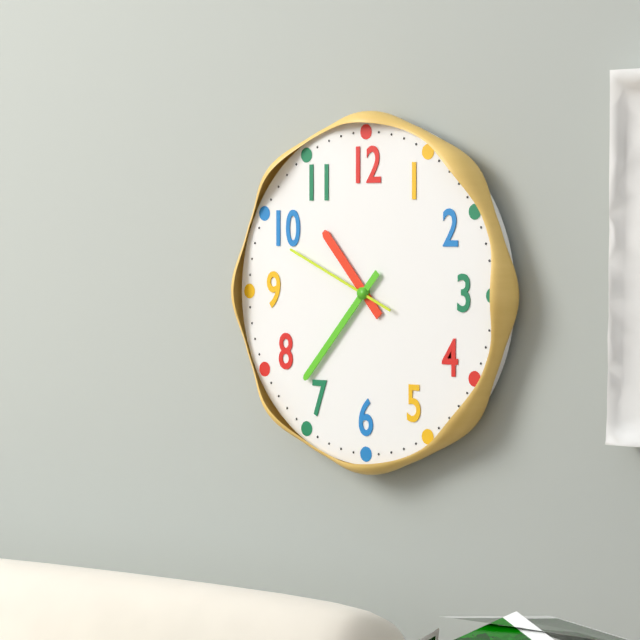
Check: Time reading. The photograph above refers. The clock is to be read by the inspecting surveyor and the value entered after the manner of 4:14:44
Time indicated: 10:37:49
